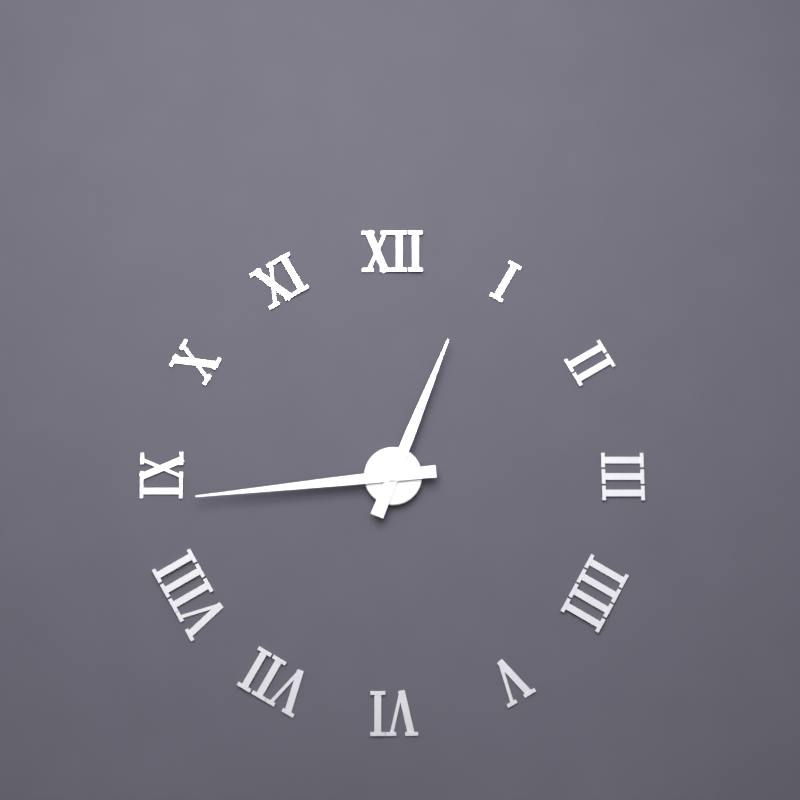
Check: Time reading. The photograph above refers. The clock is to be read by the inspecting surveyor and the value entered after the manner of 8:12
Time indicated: 12:44
